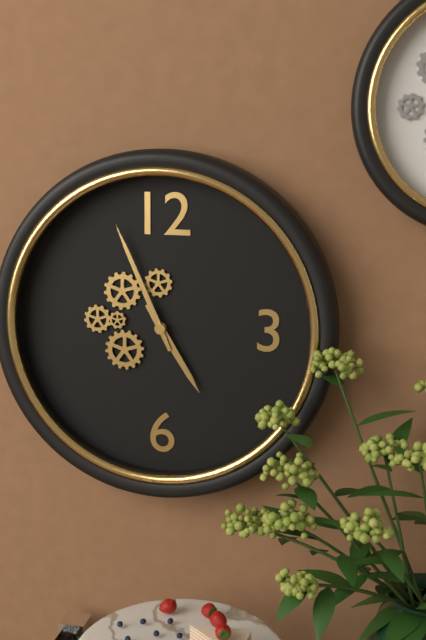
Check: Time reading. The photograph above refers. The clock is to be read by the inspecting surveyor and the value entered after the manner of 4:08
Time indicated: 4:56
